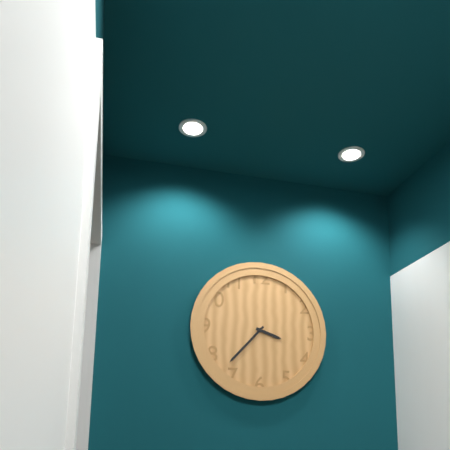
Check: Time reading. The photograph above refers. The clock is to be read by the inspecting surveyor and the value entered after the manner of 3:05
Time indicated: 3:37
